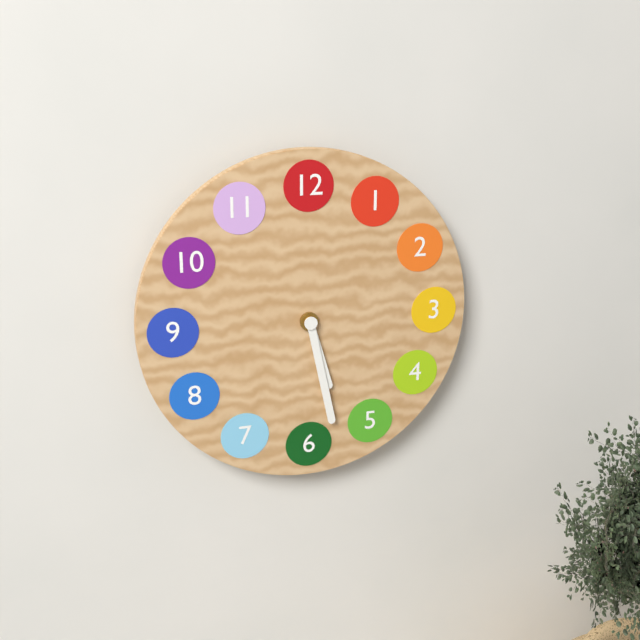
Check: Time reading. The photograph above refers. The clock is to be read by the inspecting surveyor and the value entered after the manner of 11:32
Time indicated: 5:28
